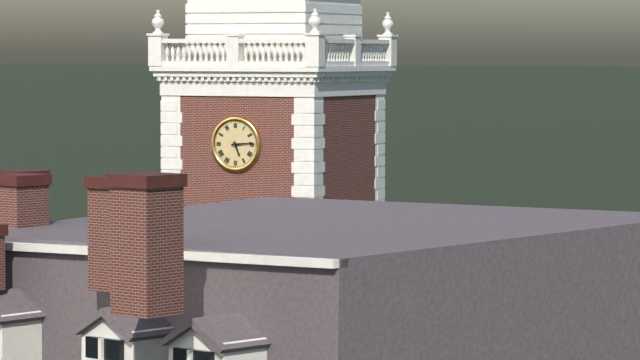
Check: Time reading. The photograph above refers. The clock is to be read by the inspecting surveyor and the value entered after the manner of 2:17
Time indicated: 5:14
